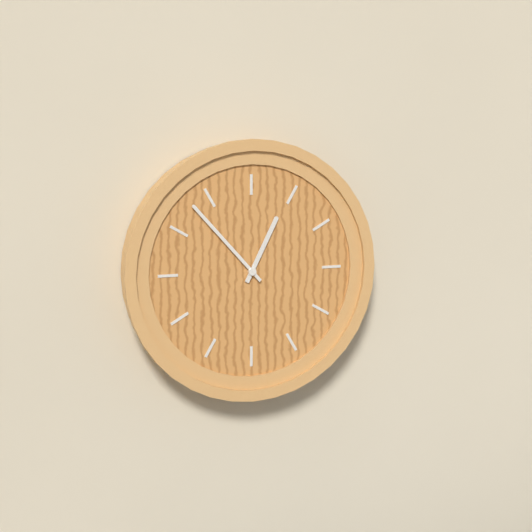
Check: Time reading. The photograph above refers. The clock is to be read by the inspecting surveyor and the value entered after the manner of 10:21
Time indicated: 12:53
